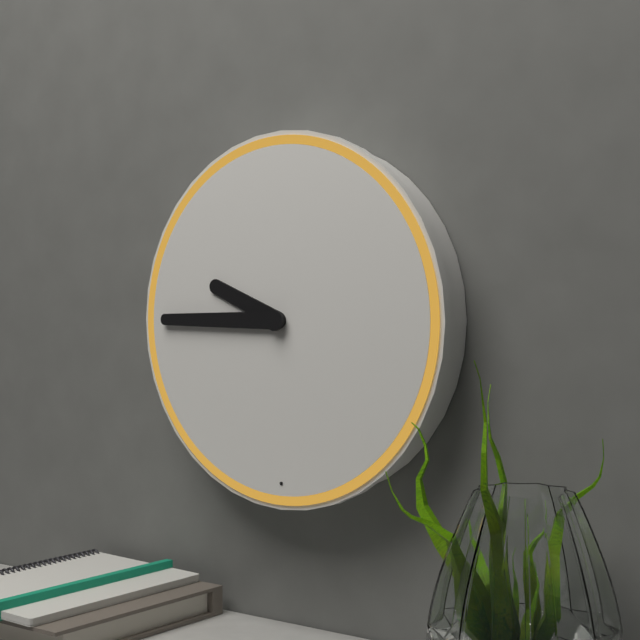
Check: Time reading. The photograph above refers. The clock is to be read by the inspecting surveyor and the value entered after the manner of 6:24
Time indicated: 9:45
